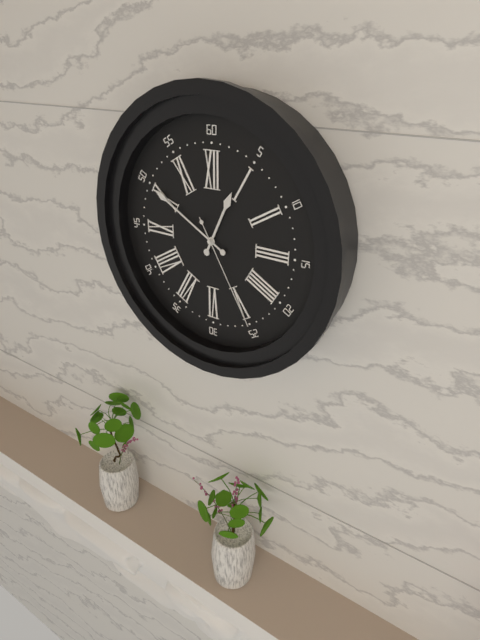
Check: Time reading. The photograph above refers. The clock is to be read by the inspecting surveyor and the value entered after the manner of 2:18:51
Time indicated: 12:50:25
